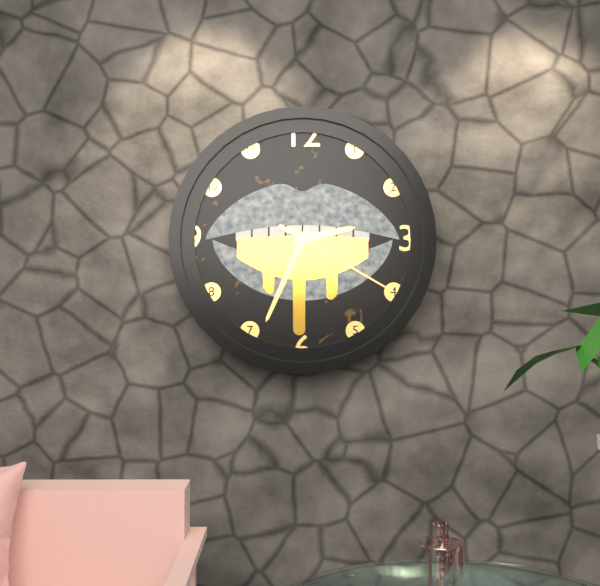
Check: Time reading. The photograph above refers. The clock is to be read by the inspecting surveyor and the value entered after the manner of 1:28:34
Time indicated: 2:34:20
